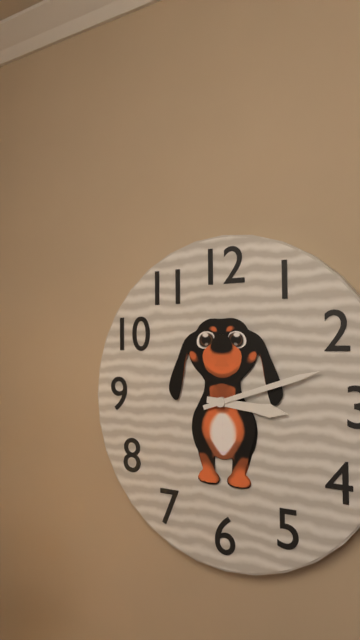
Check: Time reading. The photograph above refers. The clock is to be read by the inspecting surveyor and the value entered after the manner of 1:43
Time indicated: 3:12
